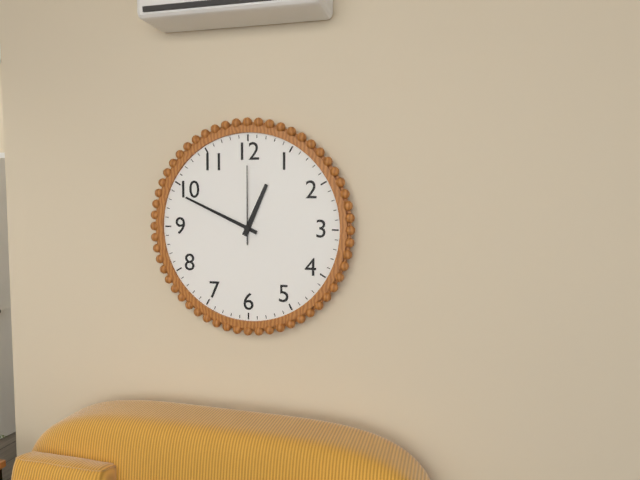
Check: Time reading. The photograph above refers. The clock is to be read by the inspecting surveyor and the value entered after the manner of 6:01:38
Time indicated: 12:49:00
